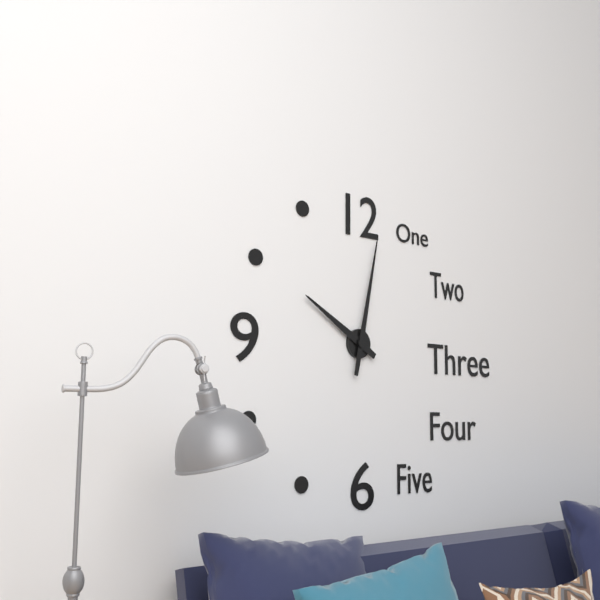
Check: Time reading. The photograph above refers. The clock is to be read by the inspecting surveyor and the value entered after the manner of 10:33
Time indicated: 10:02
